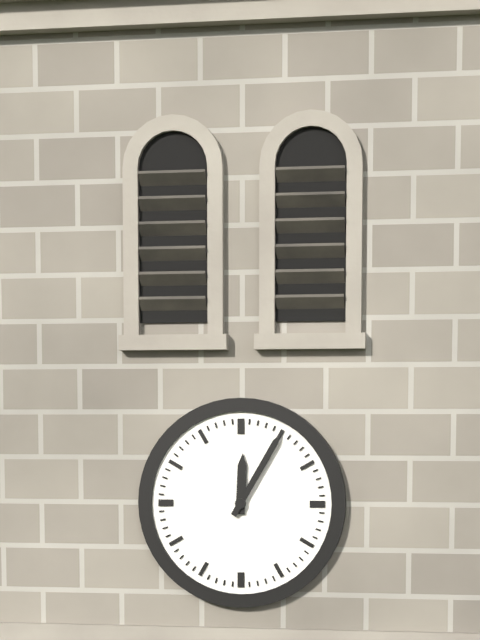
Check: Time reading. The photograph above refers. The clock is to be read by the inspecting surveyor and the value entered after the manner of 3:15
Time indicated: 12:05
